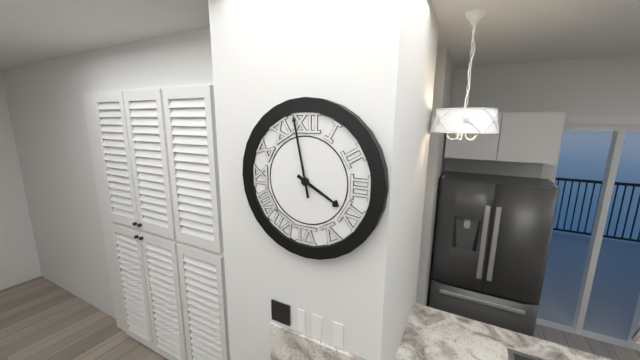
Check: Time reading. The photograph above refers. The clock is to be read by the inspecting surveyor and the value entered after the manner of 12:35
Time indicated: 3:58
